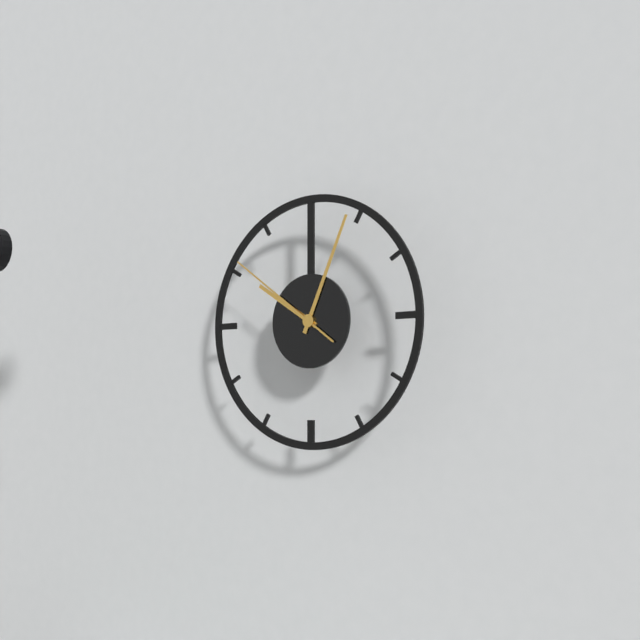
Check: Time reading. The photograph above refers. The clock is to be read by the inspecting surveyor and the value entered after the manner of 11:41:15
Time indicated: 10:04:51
